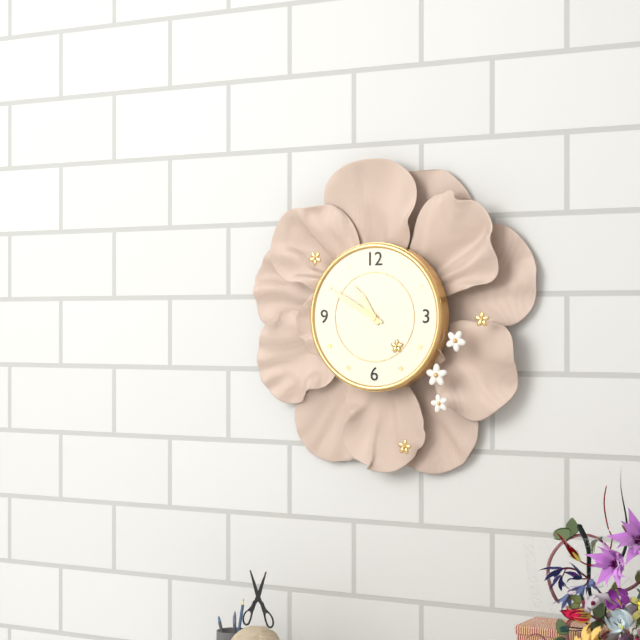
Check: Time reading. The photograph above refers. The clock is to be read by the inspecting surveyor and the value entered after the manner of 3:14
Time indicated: 10:50
